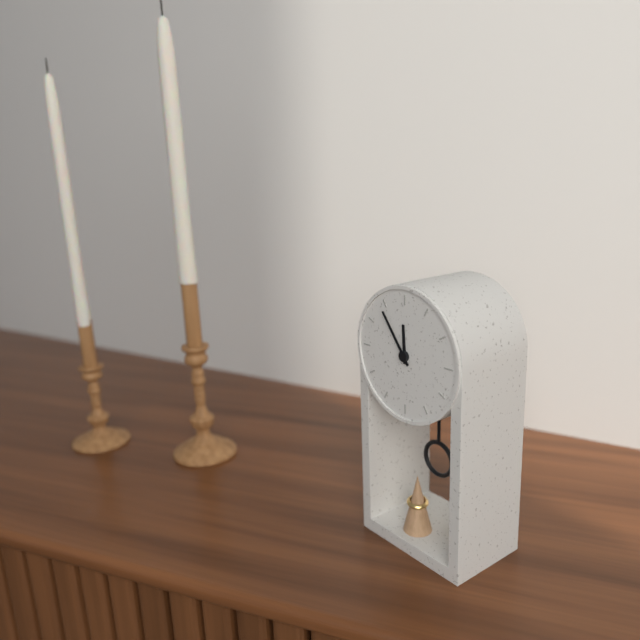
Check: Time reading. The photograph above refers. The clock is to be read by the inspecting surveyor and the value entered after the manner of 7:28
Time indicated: 11:54
